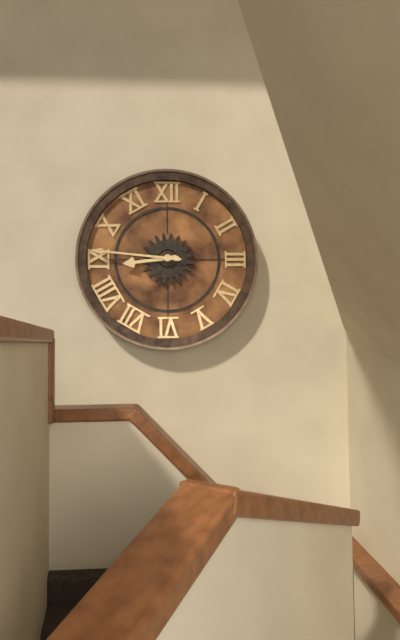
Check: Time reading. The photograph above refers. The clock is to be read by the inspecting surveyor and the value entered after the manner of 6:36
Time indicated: 8:46
